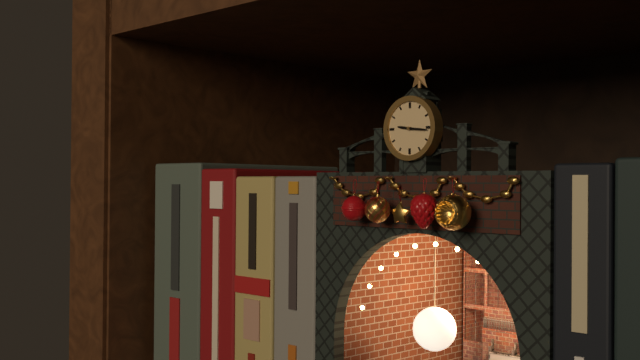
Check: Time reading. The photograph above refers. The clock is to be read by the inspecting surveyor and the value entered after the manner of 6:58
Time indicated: 9:16
